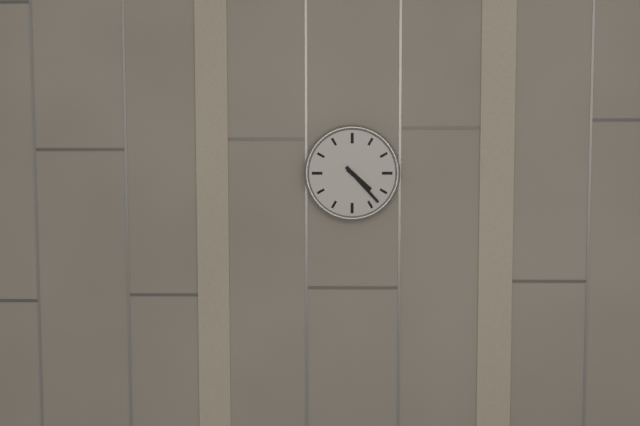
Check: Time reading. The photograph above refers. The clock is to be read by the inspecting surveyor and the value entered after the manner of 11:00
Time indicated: 4:23
